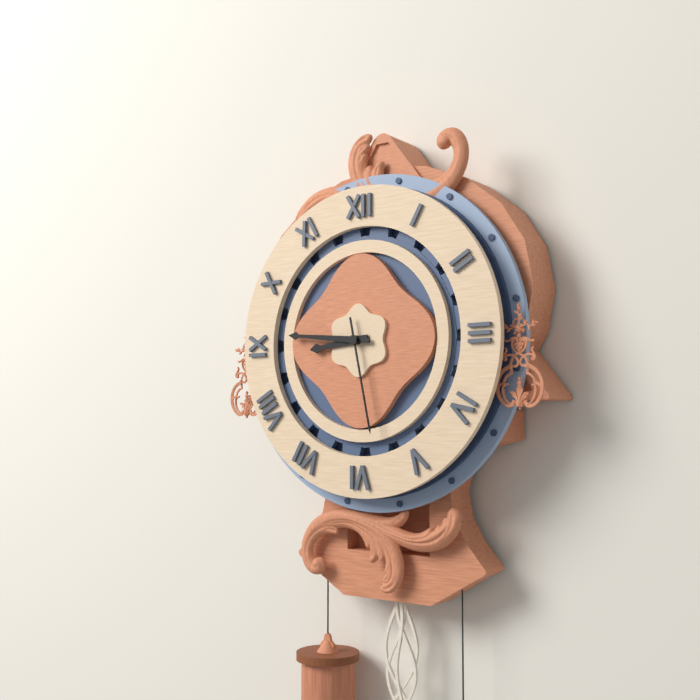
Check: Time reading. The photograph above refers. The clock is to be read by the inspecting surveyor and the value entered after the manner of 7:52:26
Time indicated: 8:46:28
